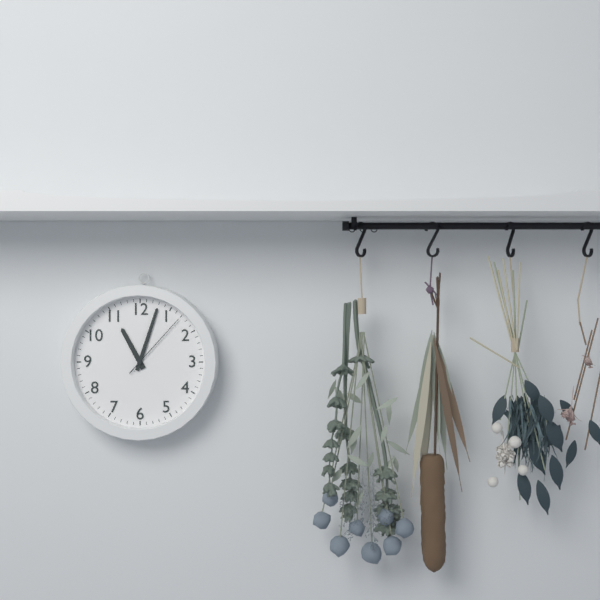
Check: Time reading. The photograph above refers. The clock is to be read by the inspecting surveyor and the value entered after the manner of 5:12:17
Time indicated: 11:03:07
